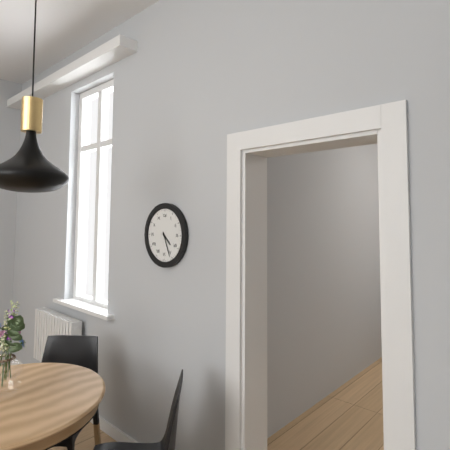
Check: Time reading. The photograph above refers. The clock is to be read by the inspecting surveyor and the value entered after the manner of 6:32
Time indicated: 4:26
